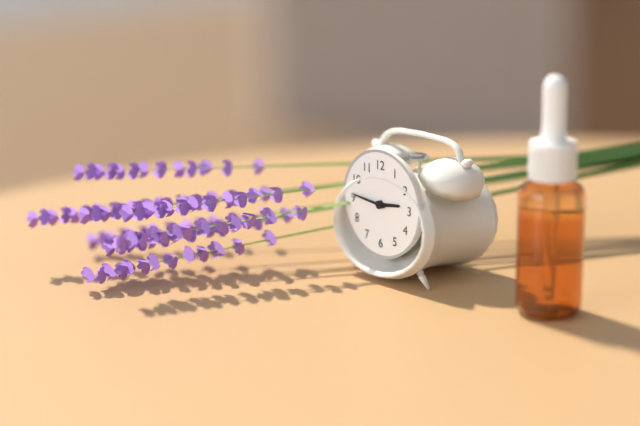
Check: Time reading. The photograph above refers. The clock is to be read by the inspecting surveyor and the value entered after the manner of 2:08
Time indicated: 2:46
